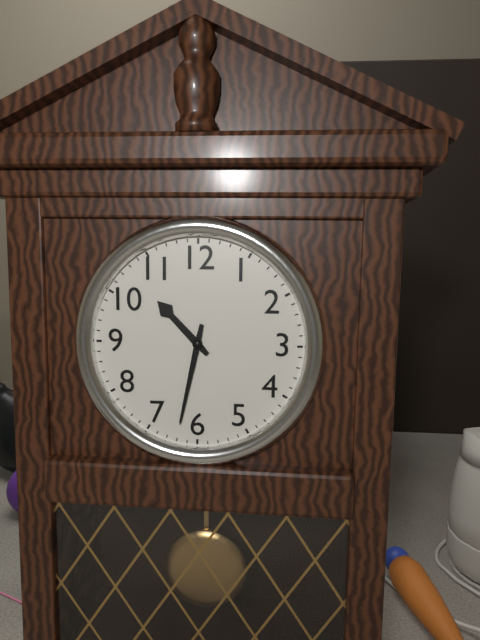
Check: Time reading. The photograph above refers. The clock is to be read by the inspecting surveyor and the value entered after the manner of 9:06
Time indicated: 10:32
